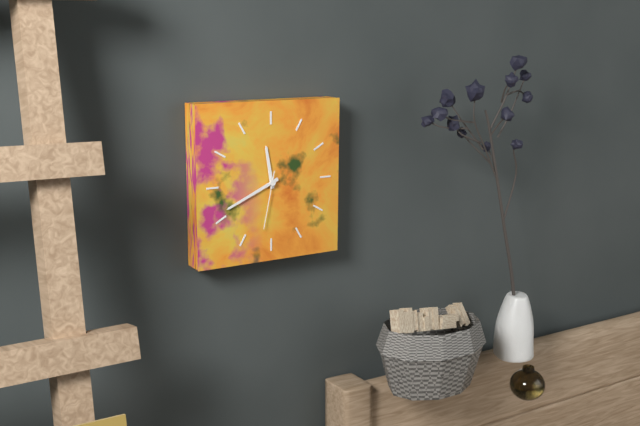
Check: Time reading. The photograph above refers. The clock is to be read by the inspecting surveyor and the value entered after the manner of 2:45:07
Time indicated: 11:41:32
